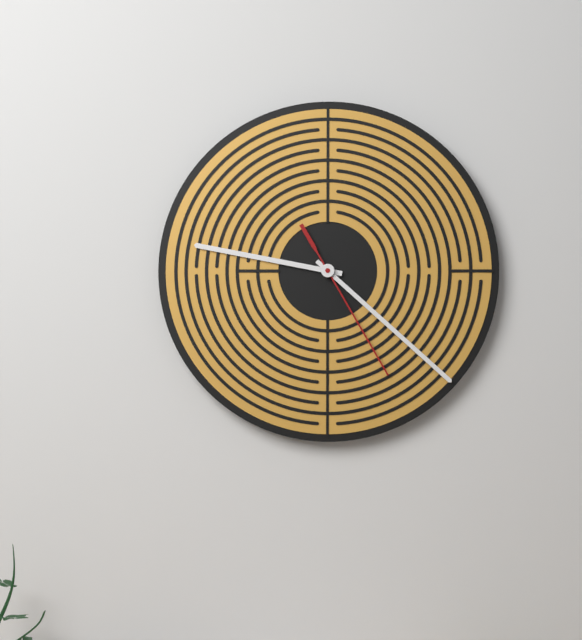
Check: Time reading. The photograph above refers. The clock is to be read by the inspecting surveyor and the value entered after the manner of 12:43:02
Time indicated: 9:22:25
